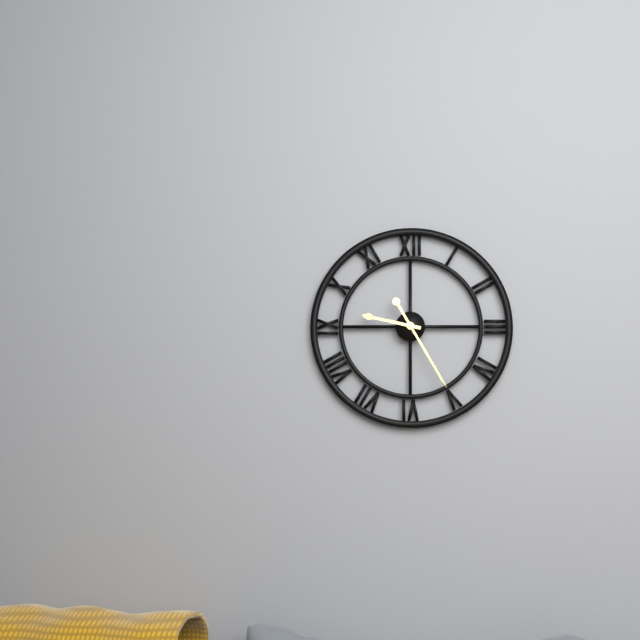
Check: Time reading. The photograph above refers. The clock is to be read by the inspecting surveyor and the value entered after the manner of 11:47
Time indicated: 9:25
